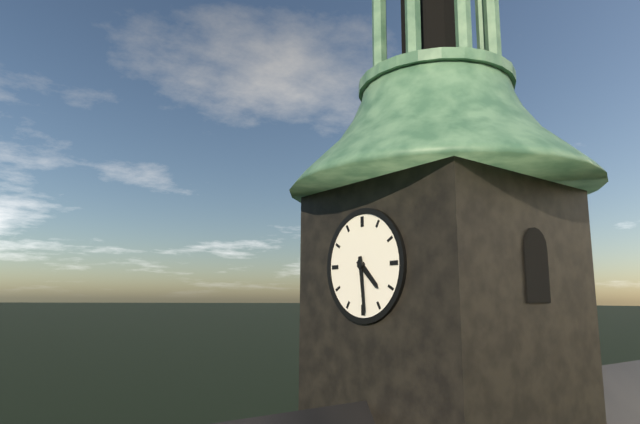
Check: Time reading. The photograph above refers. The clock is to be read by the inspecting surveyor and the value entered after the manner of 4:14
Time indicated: 4:29
